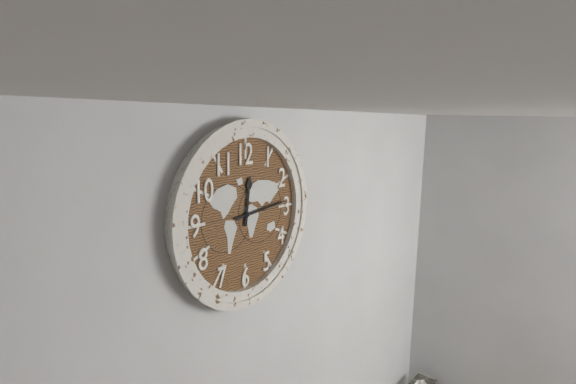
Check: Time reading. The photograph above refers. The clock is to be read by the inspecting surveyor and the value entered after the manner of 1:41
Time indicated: 12:14
